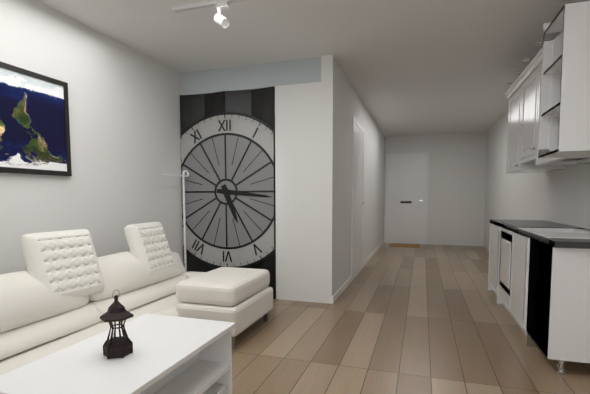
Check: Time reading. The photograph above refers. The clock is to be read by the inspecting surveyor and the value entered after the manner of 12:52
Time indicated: 5:16
